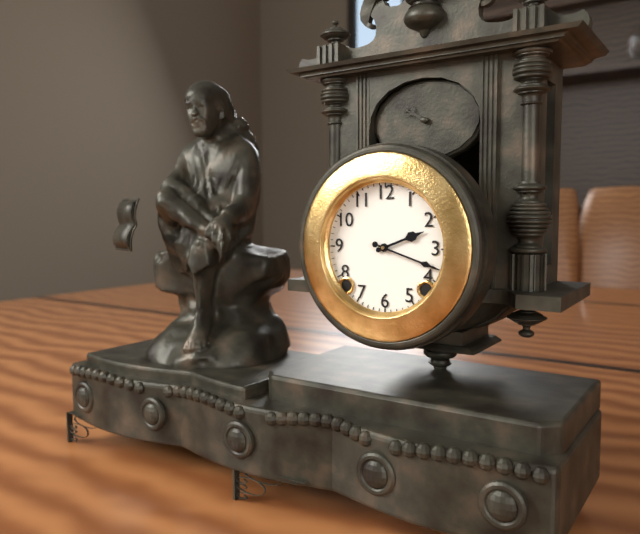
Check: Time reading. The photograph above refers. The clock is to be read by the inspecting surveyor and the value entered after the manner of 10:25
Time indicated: 2:18
